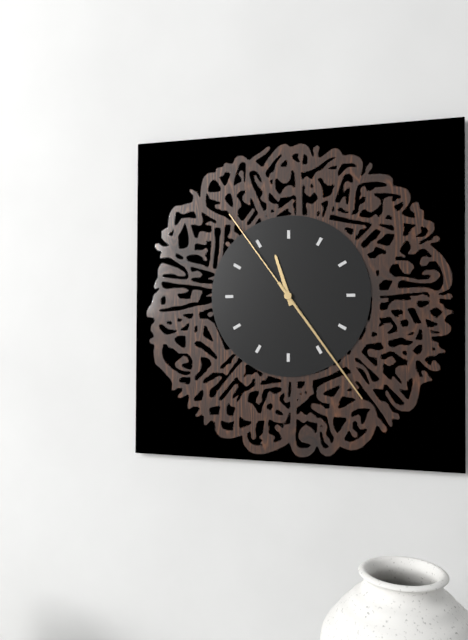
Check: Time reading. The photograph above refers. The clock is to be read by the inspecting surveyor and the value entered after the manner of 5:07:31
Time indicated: 11:24:54
